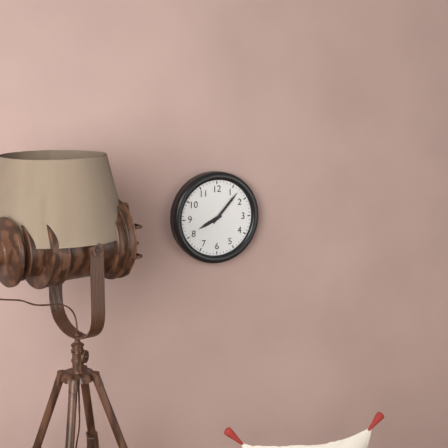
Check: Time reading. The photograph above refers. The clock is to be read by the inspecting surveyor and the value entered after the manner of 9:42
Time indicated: 8:07
